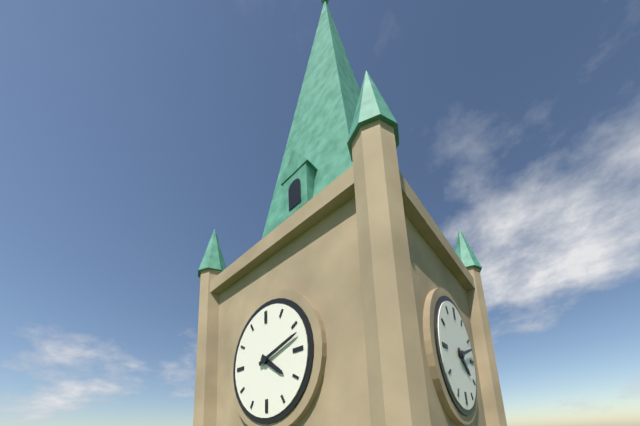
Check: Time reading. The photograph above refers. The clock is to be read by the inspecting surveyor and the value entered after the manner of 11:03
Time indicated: 4:12
